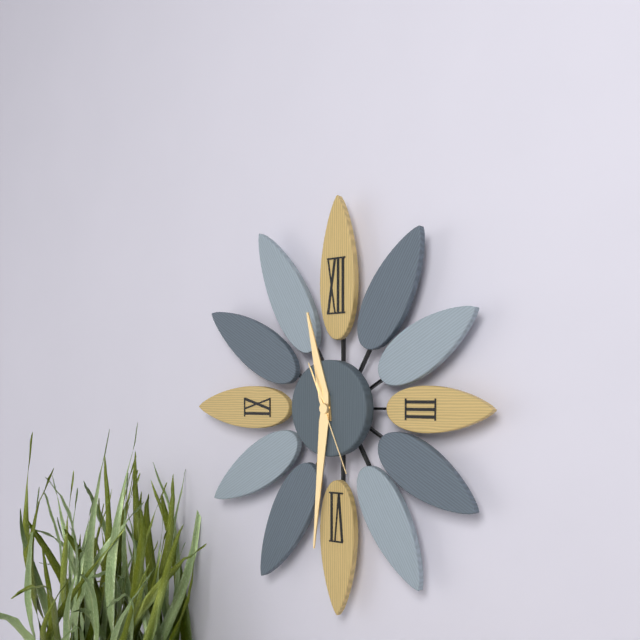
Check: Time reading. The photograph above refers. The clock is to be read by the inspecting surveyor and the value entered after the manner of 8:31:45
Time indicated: 11:31:26
